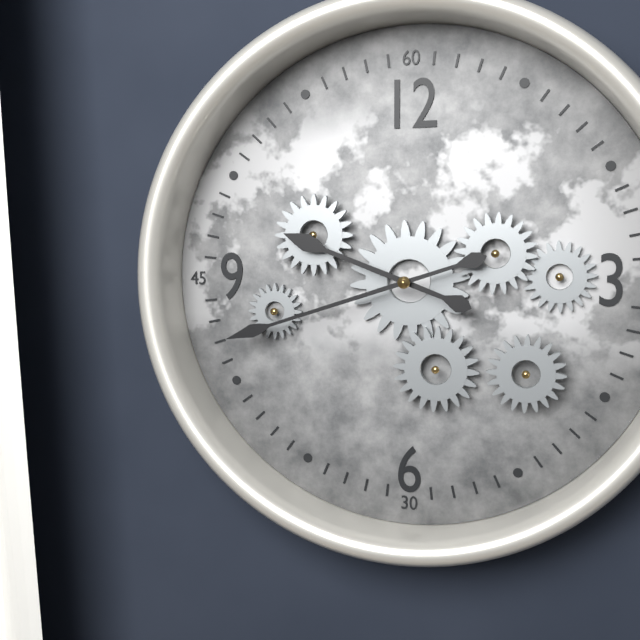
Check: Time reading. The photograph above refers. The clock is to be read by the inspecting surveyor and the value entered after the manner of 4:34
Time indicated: 9:42
